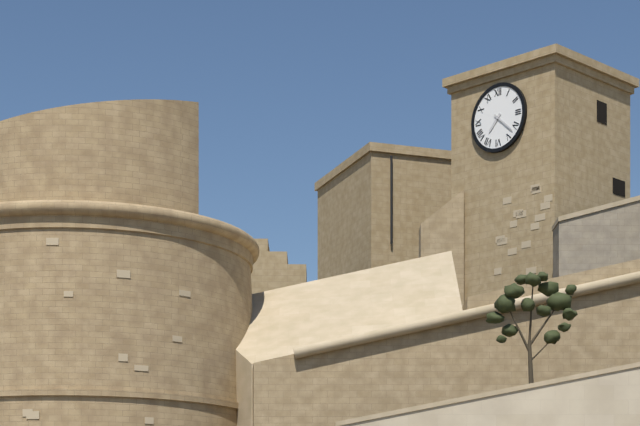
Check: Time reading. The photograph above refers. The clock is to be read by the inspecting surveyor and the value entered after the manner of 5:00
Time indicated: 7:22
